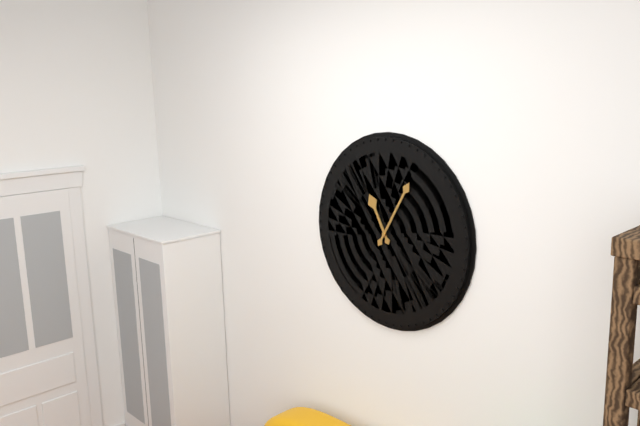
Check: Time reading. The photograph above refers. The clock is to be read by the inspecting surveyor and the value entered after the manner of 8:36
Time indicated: 11:05
